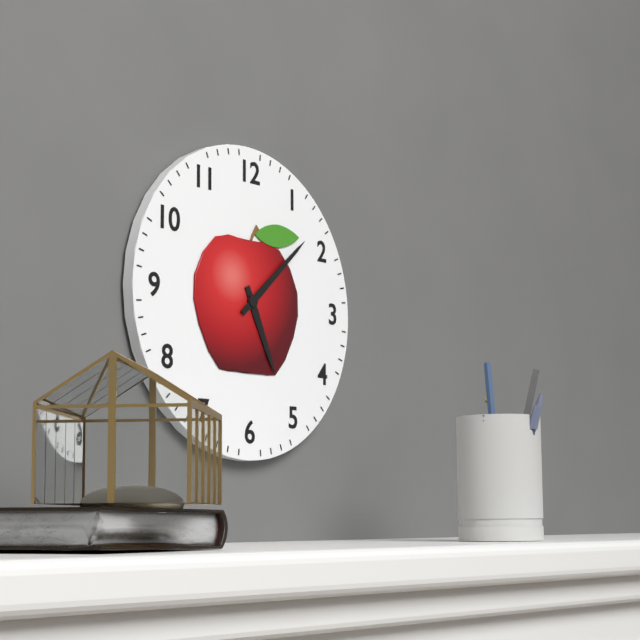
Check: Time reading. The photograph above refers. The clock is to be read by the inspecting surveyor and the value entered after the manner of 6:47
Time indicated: 5:08
